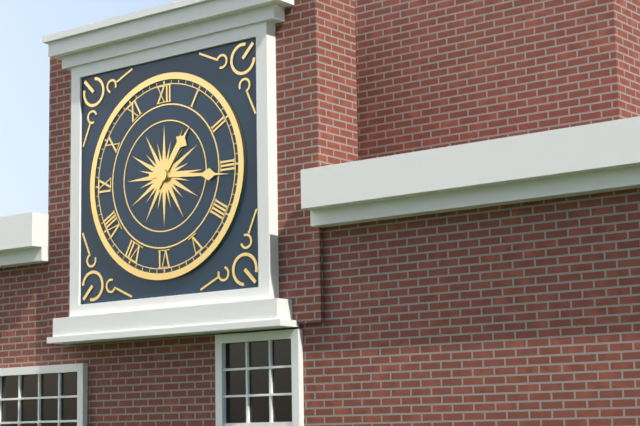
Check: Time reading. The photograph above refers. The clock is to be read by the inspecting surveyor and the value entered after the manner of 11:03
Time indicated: 1:16
